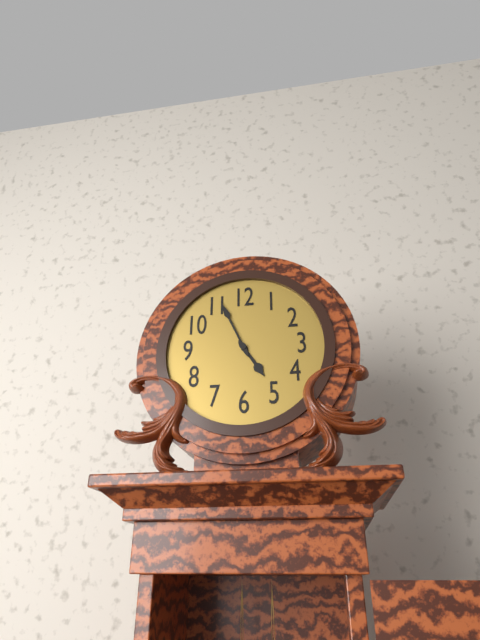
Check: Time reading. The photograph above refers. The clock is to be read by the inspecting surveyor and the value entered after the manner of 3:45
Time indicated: 4:56
